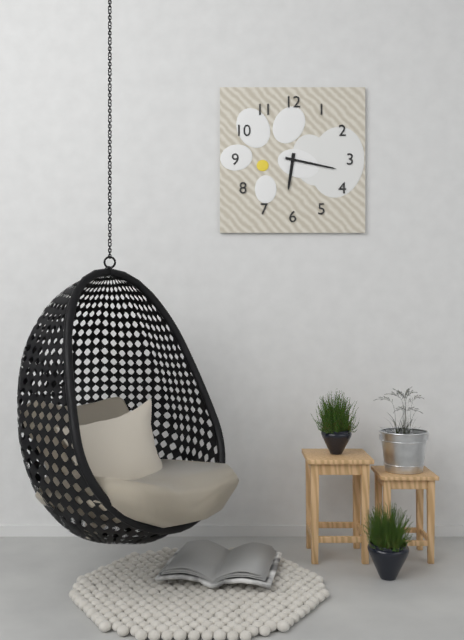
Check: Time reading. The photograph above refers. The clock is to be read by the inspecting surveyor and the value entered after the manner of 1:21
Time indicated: 6:17
